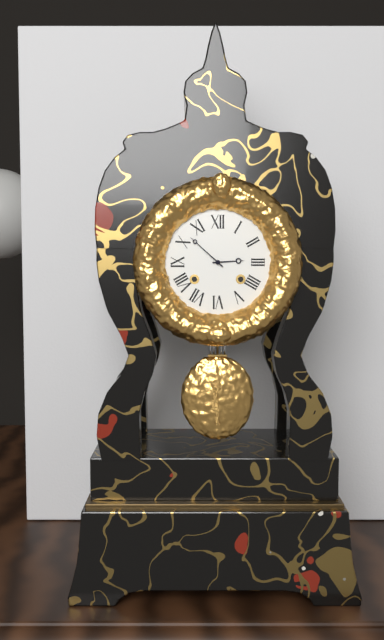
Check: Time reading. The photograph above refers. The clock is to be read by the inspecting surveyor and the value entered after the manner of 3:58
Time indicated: 2:52
